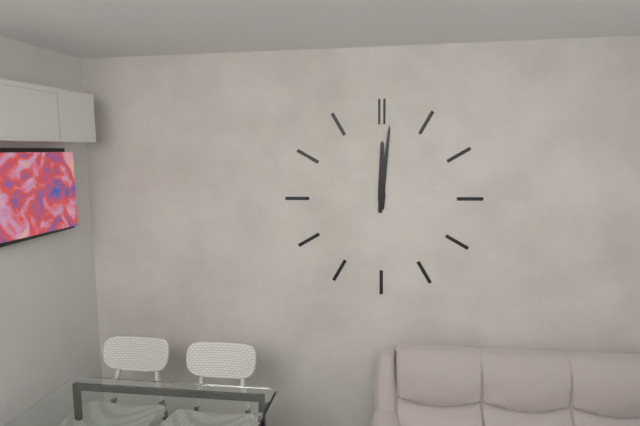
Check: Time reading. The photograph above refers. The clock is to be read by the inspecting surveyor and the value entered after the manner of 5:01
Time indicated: 12:01
